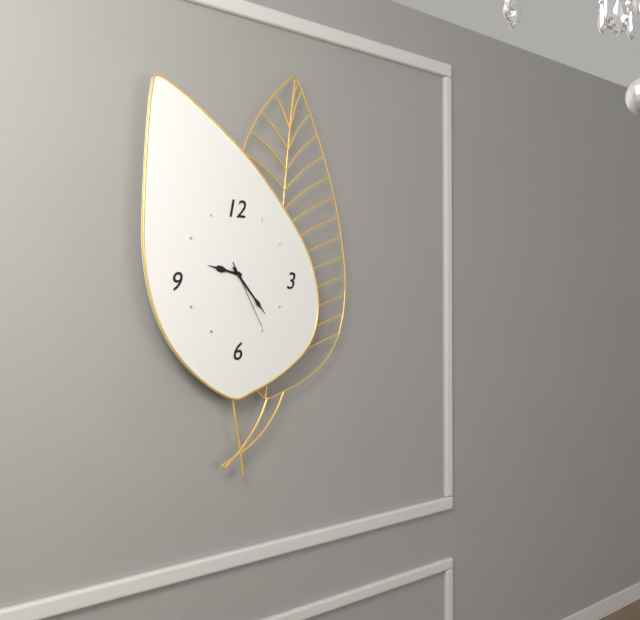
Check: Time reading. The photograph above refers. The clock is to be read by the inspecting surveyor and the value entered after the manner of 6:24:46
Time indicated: 9:23:25
